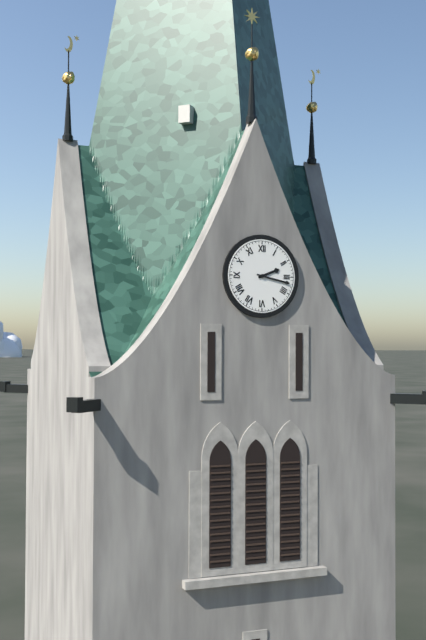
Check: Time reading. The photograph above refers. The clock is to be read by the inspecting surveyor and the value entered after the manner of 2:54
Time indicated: 2:17
